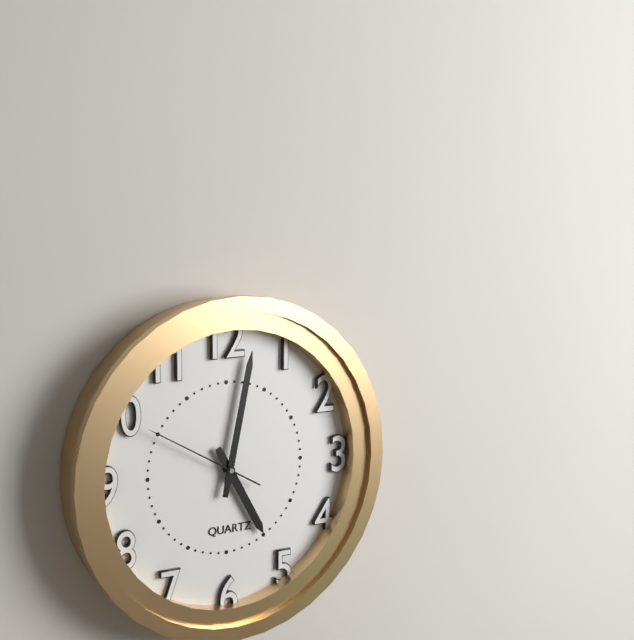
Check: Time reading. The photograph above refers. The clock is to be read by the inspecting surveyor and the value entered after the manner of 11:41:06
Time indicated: 5:02:50
